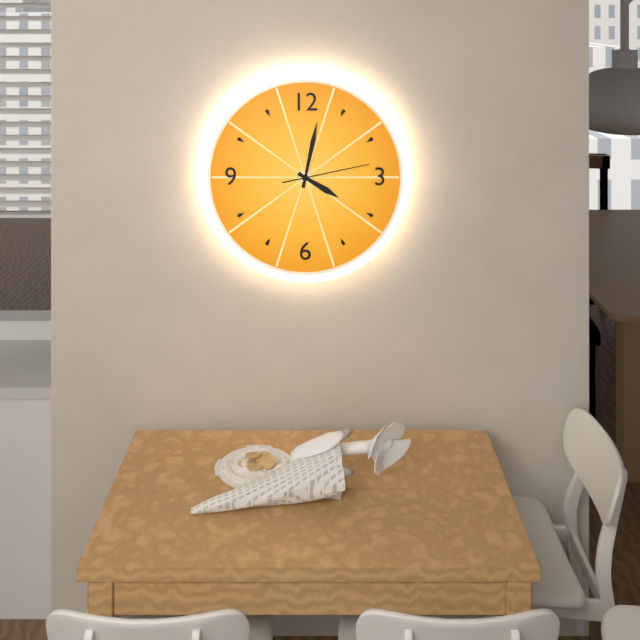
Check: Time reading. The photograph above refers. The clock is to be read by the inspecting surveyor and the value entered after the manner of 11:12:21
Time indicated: 4:02:13
